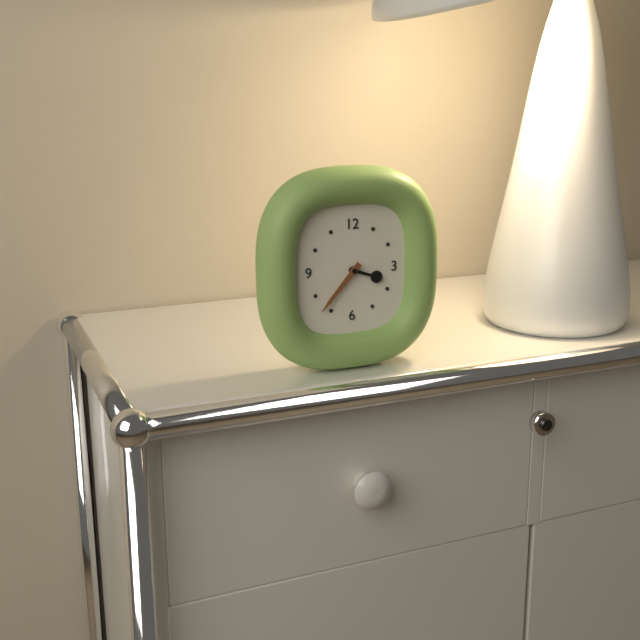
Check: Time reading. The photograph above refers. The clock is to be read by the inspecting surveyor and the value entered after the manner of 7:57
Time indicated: 3:37
